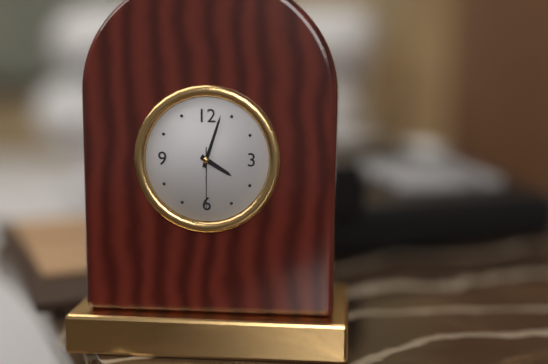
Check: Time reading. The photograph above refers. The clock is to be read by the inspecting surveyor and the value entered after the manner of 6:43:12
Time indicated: 4:03:30
